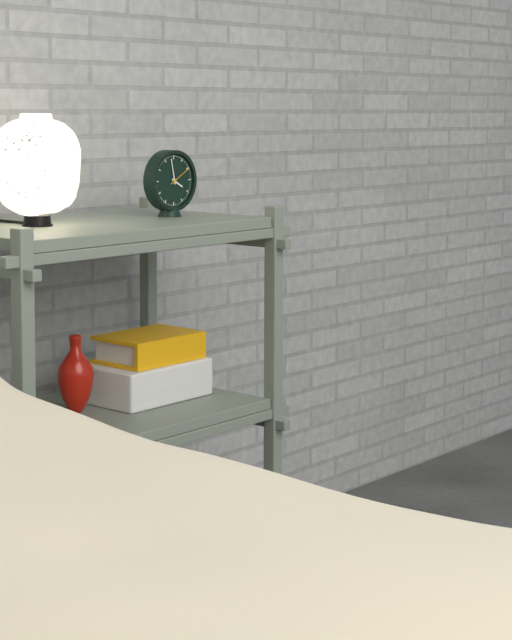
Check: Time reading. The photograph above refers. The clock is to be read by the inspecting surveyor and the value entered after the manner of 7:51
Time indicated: 3:58
